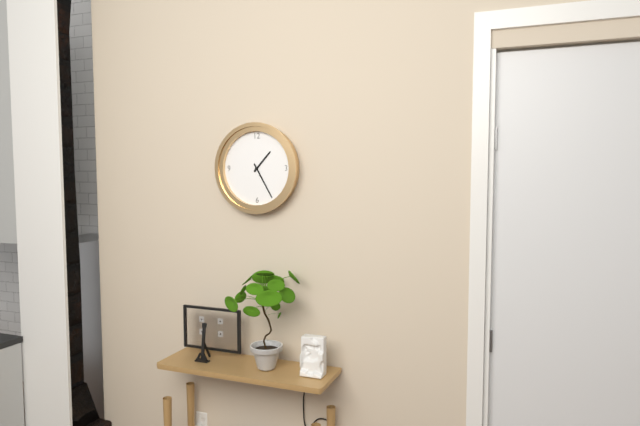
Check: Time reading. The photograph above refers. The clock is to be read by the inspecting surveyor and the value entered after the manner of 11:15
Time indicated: 1:25
